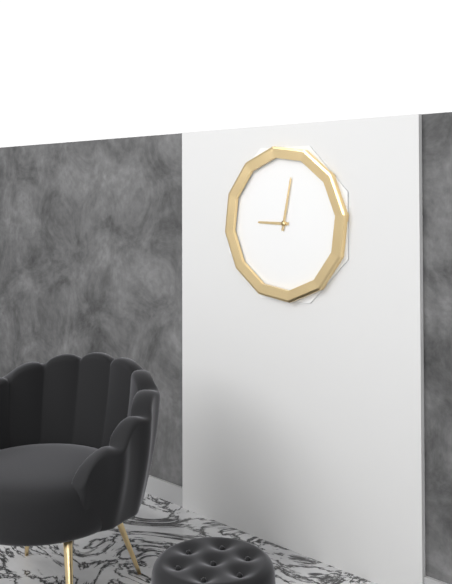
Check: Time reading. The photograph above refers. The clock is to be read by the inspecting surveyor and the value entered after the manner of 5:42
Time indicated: 9:02
